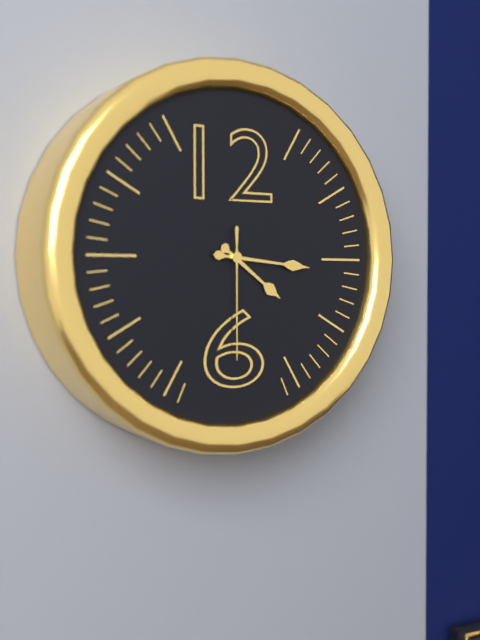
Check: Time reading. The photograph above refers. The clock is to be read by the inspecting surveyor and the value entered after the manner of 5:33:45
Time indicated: 4:16:30
